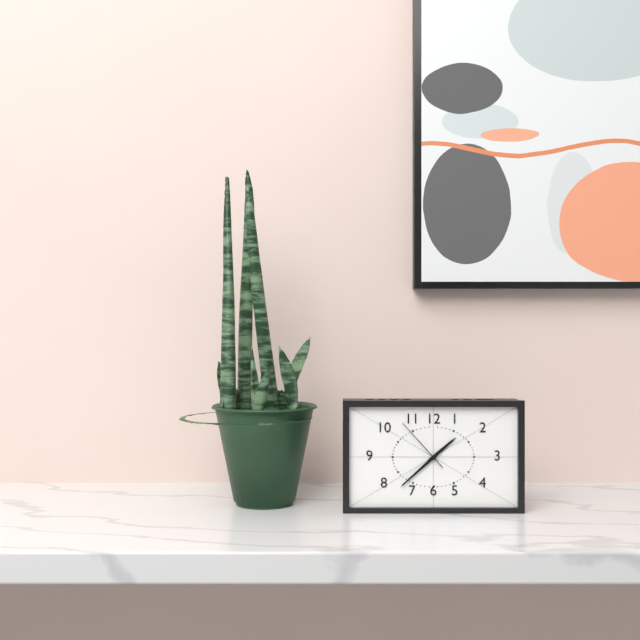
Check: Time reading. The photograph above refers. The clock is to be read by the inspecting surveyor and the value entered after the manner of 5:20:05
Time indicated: 1:38:53
